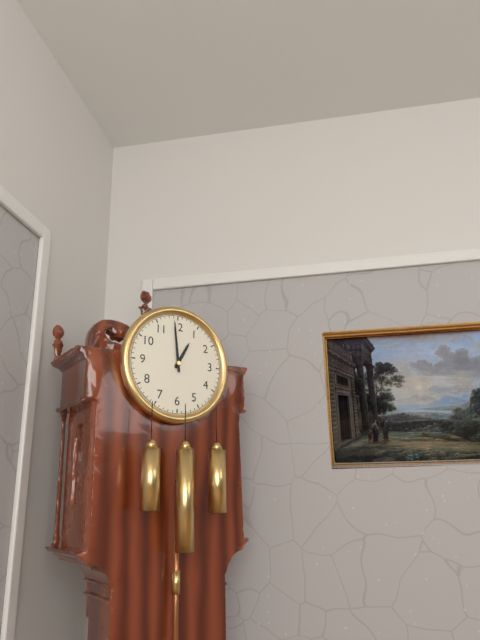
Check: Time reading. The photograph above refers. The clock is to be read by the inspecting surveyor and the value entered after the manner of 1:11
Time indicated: 12:59
